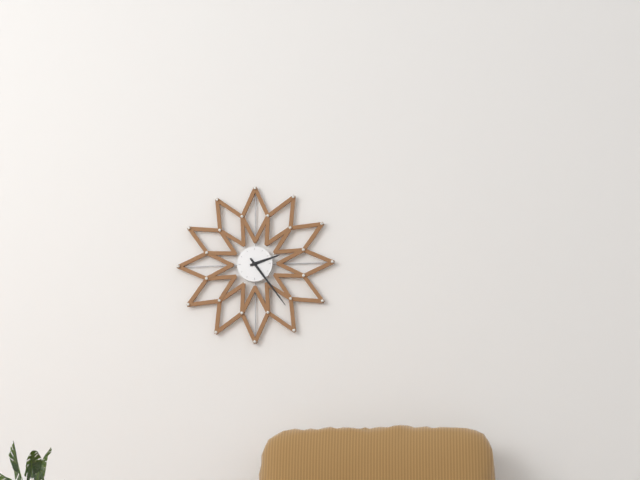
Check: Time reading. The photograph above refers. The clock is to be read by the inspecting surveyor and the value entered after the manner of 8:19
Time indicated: 2:24
